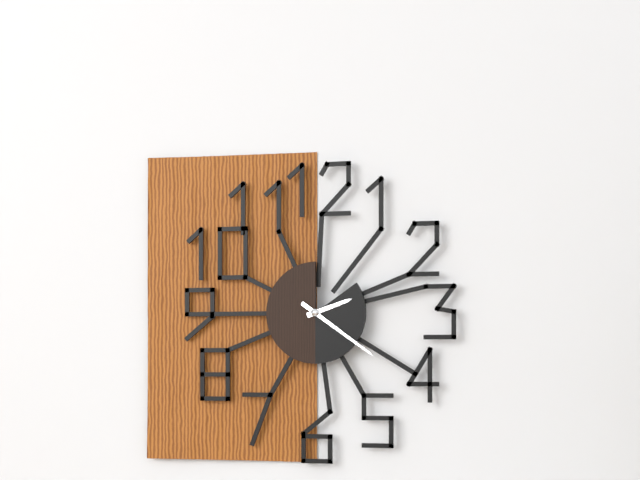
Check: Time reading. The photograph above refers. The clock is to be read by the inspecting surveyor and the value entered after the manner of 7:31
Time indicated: 2:21
